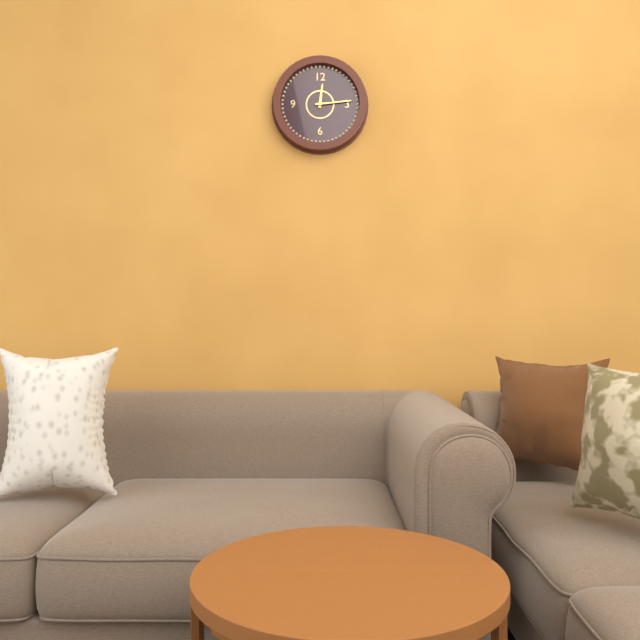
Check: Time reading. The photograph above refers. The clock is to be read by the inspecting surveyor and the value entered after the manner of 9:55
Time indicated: 12:14
